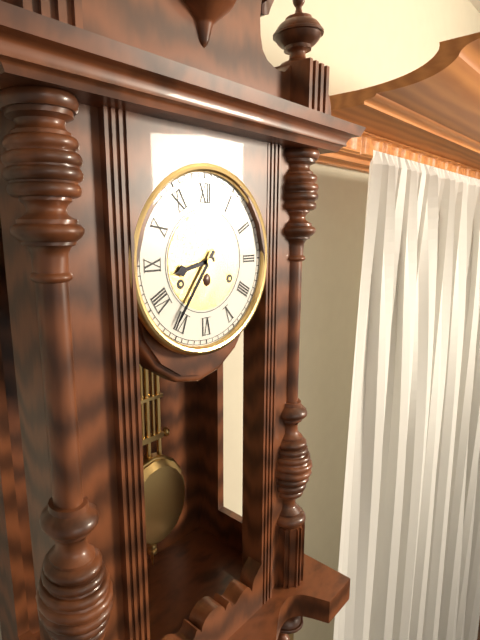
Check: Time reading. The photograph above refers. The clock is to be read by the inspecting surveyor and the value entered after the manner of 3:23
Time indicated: 8:36
